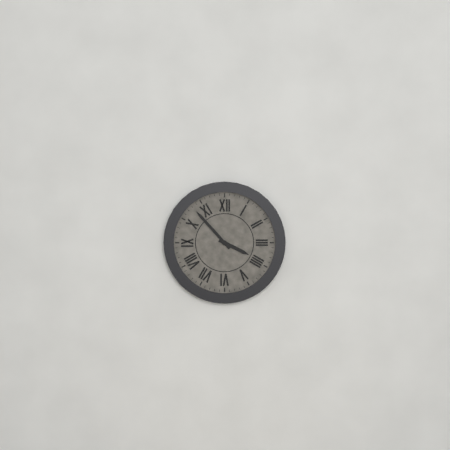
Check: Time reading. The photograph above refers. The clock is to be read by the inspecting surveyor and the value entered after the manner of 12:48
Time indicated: 3:53
